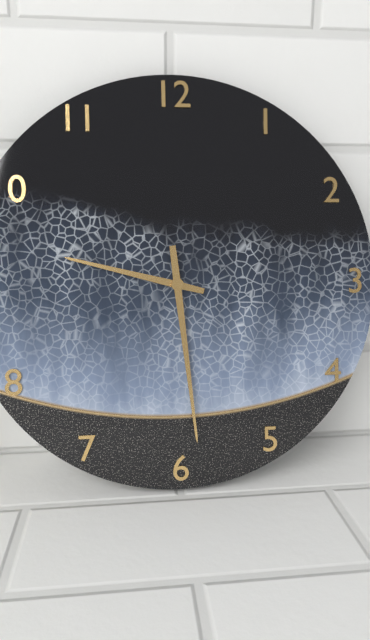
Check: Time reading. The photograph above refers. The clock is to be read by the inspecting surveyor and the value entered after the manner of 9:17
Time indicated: 9:29
